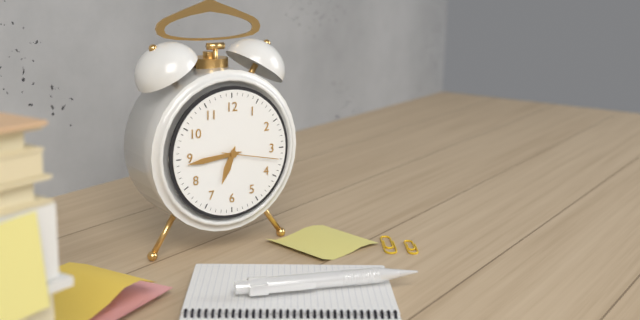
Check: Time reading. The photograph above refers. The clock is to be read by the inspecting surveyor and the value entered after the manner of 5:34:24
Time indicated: 6:44:17
